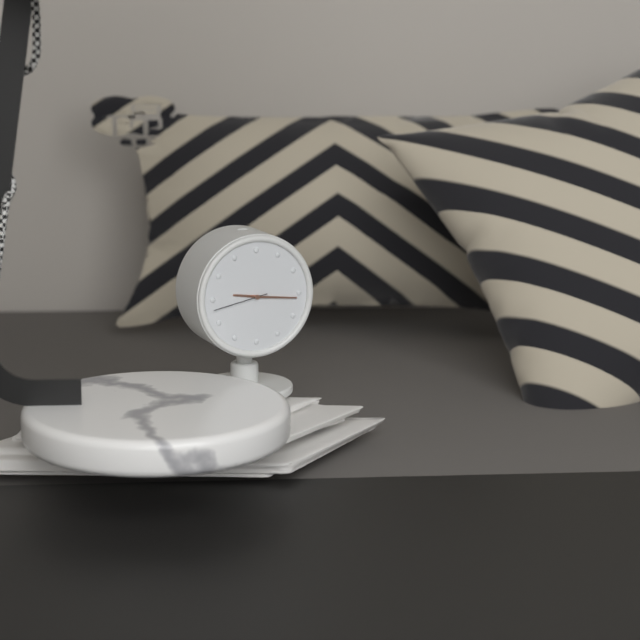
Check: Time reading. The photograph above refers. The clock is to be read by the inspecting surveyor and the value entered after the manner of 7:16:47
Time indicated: 9:16:43
